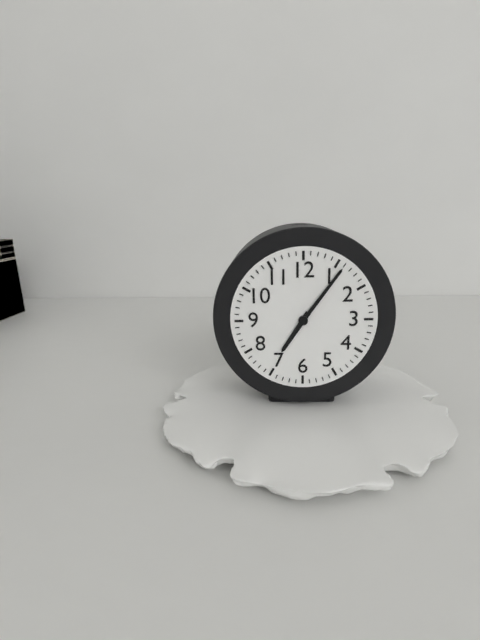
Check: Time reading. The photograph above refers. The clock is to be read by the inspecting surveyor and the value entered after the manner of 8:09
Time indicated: 7:06
